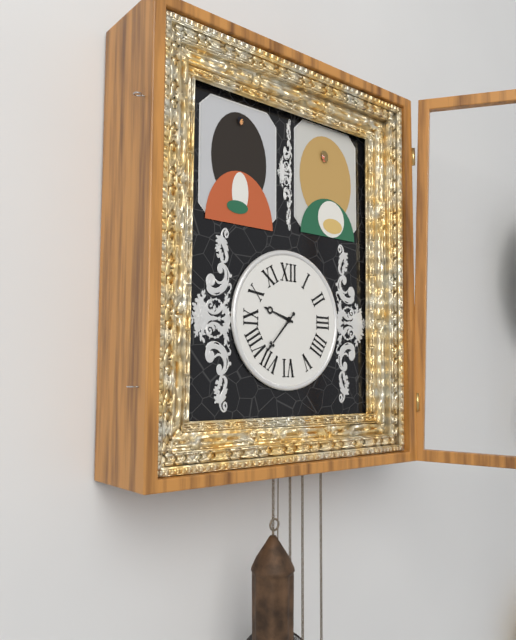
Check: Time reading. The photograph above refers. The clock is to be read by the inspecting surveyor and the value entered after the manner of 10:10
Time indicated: 9:37
